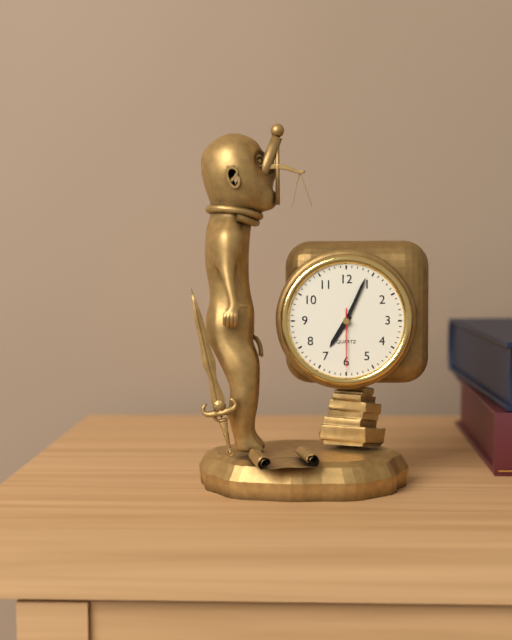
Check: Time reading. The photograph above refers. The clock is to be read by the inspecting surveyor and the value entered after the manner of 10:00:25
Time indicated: 7:04:30
